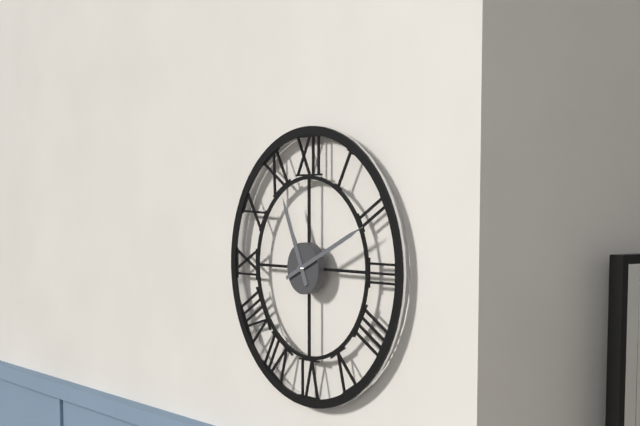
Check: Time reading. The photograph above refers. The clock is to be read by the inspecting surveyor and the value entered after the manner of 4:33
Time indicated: 11:11
